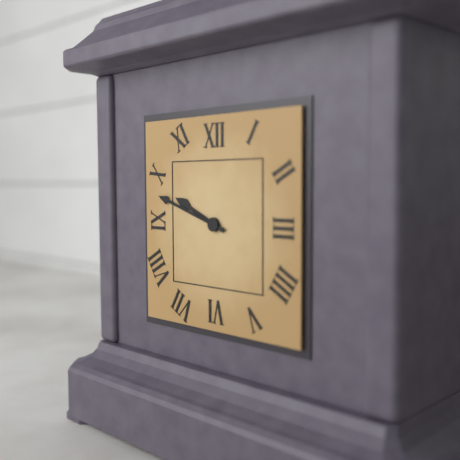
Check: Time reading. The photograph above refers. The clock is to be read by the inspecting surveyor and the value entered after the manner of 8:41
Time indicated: 9:48
